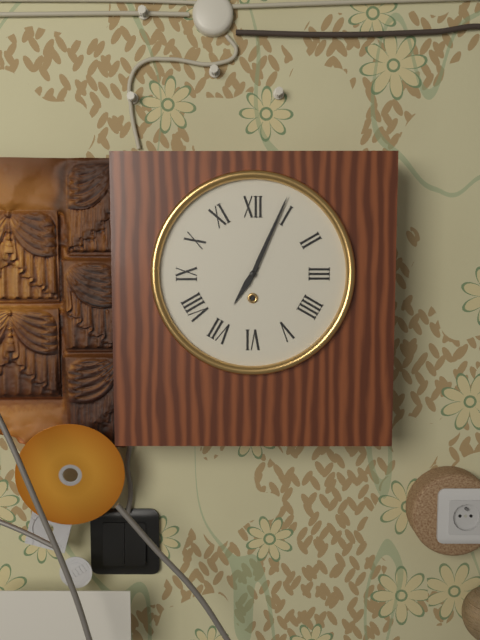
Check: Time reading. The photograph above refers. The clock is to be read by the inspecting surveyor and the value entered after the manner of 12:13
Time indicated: 7:04
